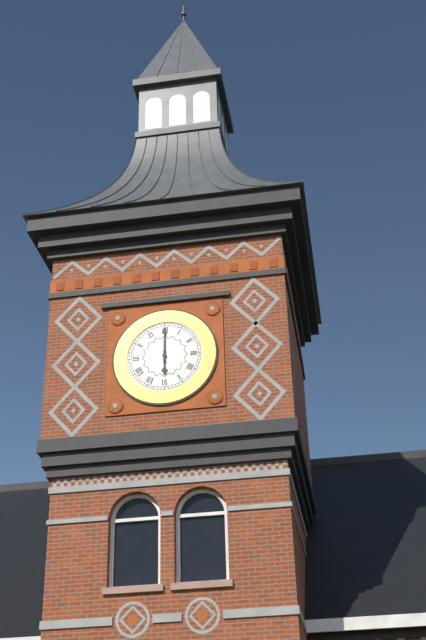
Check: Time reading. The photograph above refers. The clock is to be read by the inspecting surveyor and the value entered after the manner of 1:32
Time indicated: 6:00
